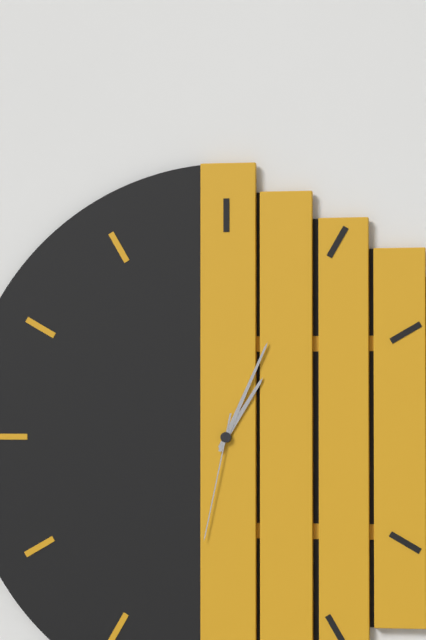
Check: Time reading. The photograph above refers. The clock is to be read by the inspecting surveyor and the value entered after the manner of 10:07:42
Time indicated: 1:04:32
